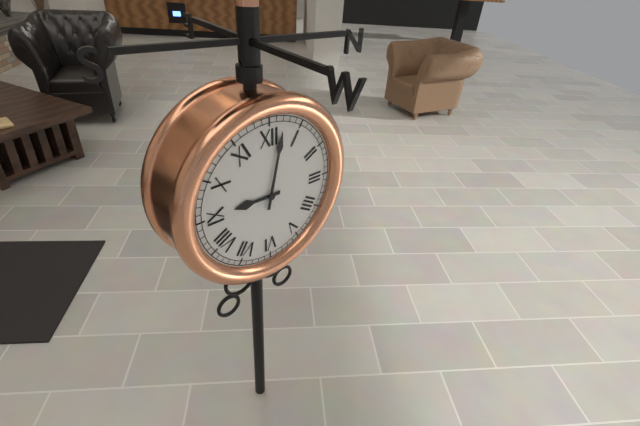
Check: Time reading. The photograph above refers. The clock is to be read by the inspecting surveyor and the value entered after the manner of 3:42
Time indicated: 9:02
